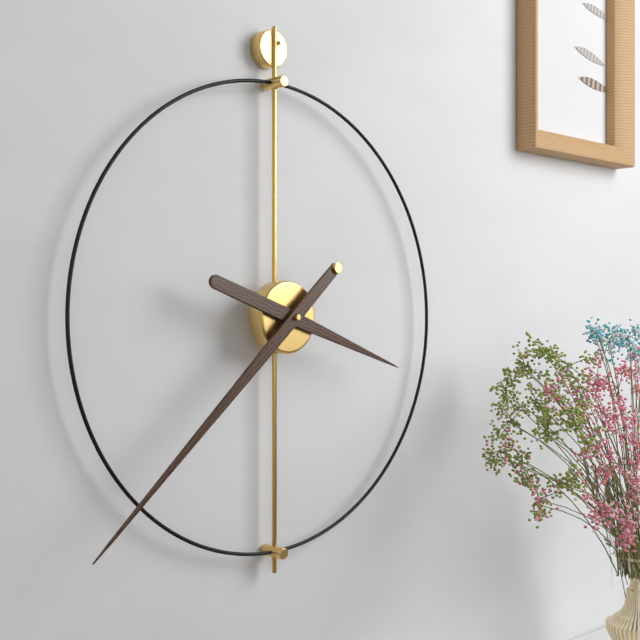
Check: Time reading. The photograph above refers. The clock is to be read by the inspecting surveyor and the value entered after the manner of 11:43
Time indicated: 3:38
